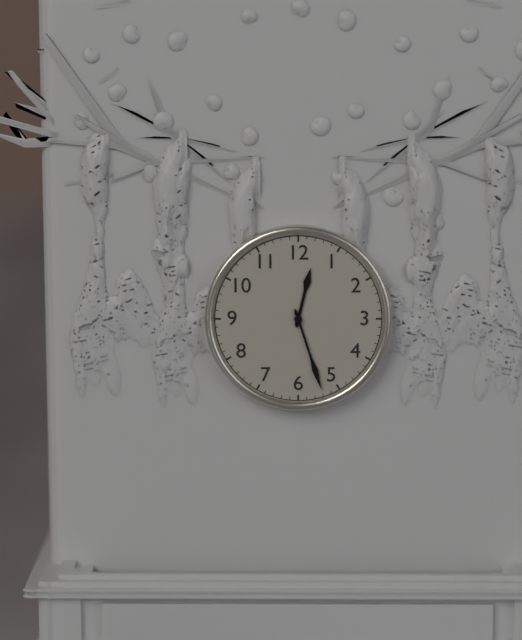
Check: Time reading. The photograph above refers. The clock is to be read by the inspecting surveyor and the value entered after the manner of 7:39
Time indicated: 12:27
